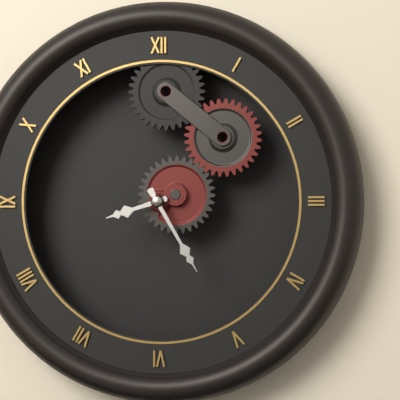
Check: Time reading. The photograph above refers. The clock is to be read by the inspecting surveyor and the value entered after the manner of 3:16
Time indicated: 8:25
